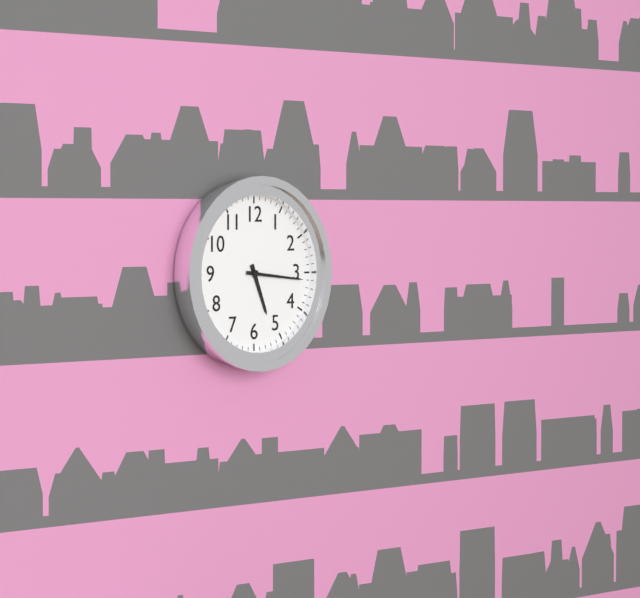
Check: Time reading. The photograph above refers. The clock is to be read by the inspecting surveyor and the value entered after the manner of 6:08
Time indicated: 5:16
